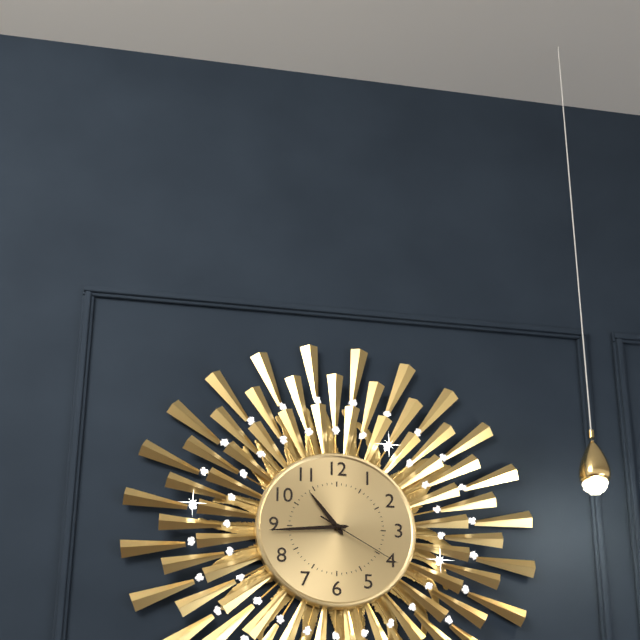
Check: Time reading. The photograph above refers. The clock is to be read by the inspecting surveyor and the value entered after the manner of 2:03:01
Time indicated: 10:44:20
